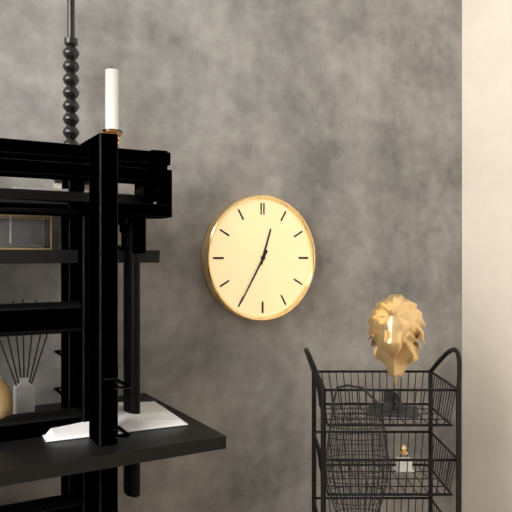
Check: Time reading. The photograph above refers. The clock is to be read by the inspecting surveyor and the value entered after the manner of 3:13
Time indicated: 12:35
